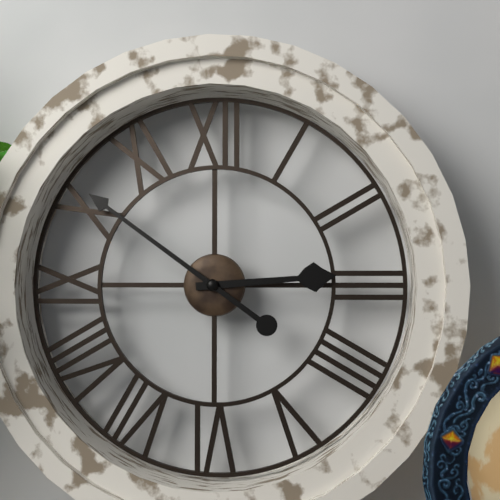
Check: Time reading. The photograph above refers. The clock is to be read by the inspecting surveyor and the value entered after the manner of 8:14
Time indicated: 2:51
